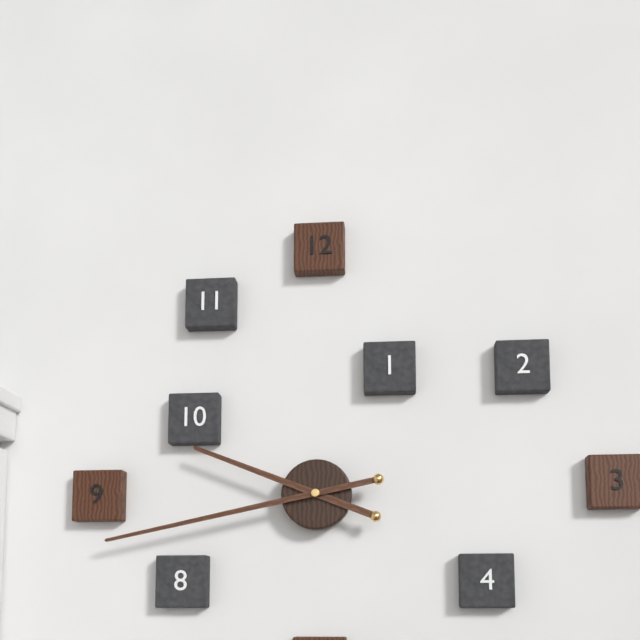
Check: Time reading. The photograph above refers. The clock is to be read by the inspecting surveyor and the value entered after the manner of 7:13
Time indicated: 9:43
